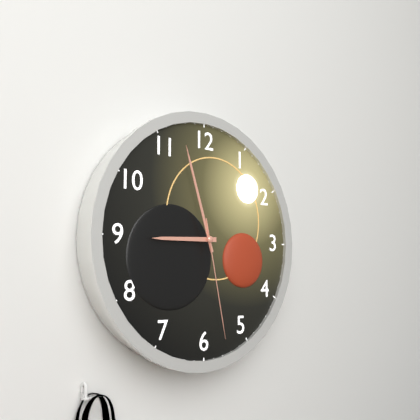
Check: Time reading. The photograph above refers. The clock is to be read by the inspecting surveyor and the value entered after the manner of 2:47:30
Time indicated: 8:57:28
